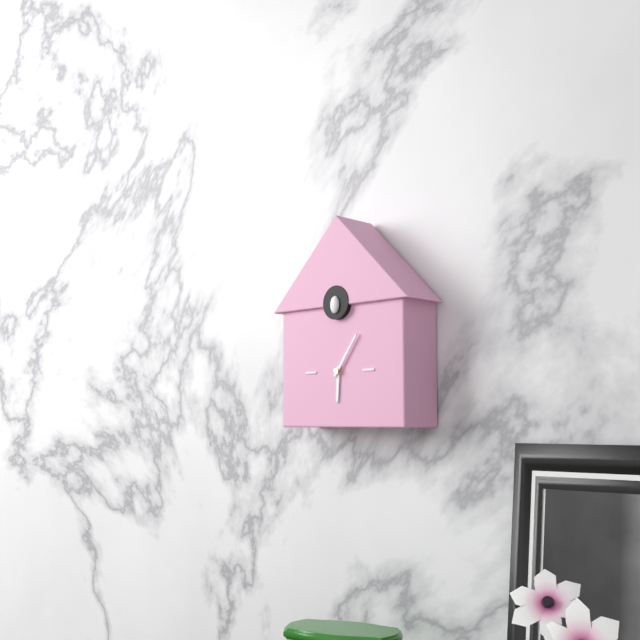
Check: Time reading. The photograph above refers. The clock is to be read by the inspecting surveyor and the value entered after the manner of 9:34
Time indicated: 6:06
